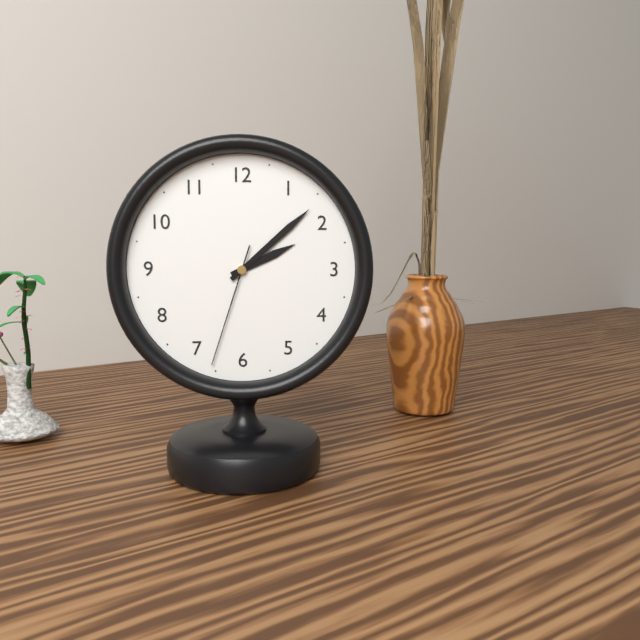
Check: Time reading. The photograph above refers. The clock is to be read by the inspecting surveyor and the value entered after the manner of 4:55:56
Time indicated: 2:08:33
